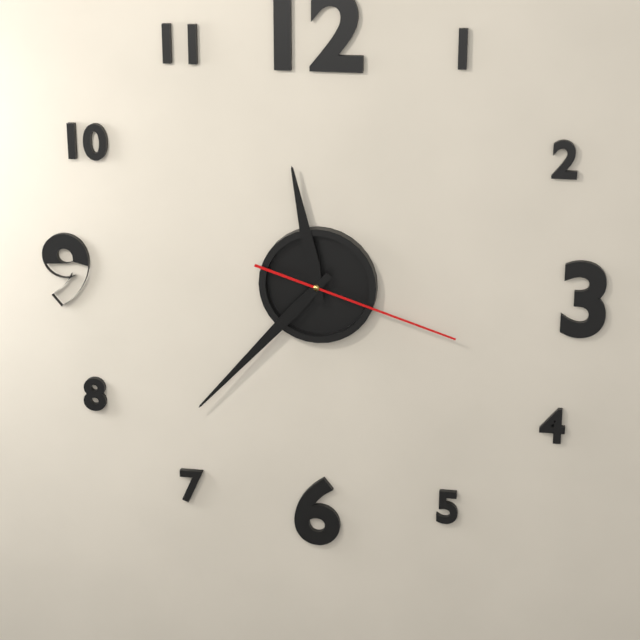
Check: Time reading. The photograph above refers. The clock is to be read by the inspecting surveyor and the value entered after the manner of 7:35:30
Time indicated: 11:37:18
